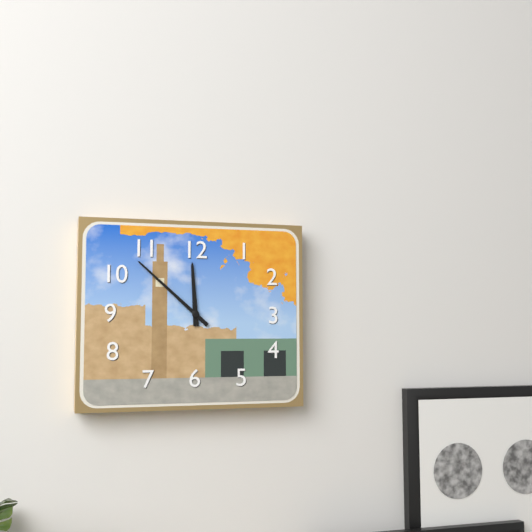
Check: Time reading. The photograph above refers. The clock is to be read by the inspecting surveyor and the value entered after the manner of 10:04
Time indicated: 11:52
